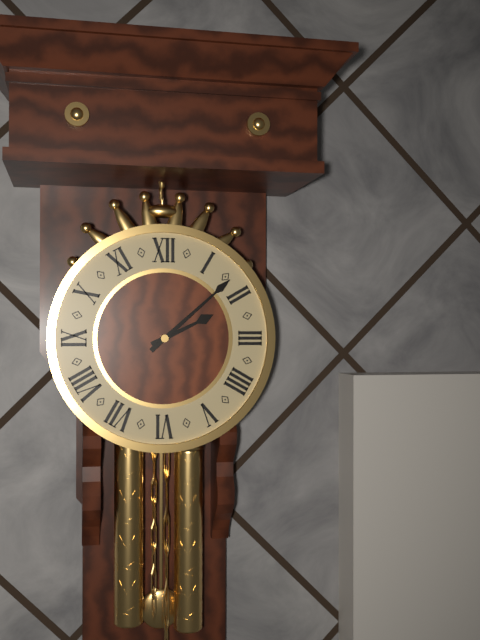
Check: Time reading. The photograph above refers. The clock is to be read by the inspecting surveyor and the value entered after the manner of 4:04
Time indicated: 2:08
